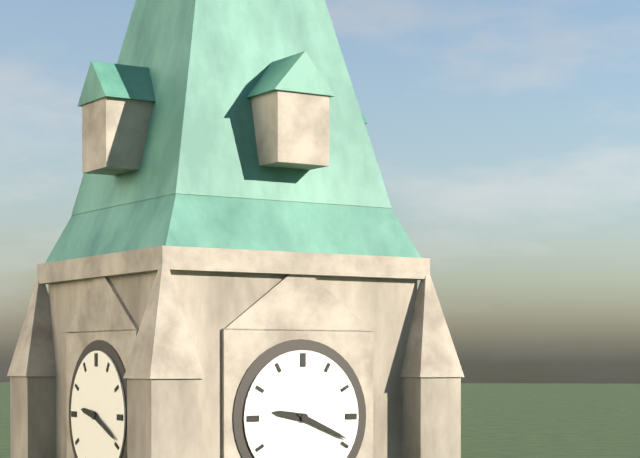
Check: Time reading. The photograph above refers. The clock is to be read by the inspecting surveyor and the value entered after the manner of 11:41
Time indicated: 9:19
